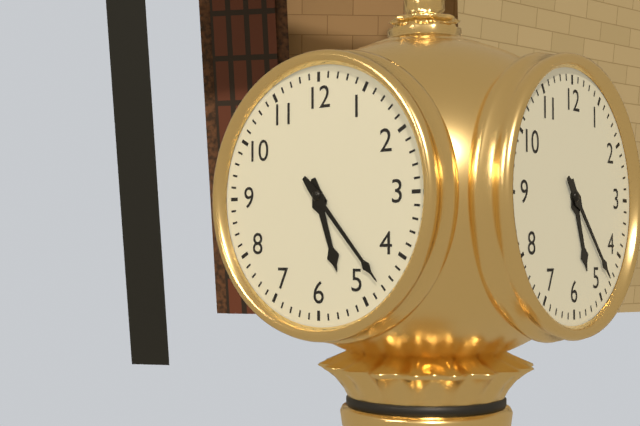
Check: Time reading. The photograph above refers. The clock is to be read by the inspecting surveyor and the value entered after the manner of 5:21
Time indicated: 5:23
